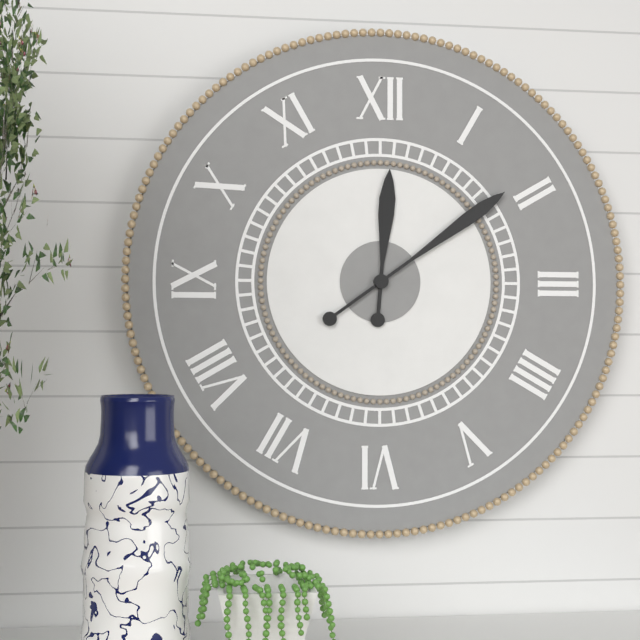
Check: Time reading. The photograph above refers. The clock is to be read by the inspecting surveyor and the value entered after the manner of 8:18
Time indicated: 12:09
